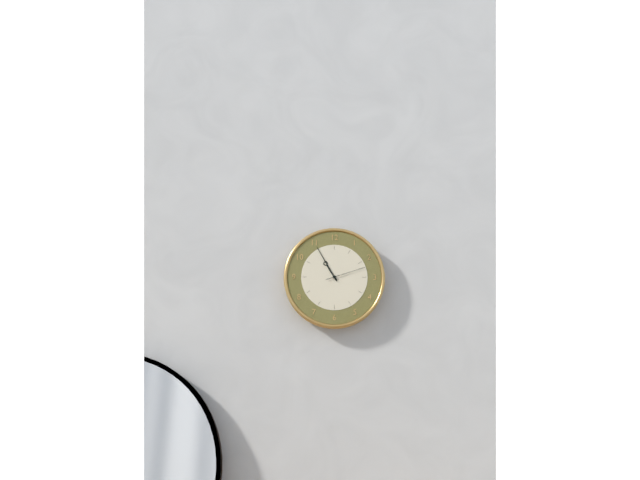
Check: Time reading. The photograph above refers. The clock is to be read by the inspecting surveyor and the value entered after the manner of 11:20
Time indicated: 10:55
